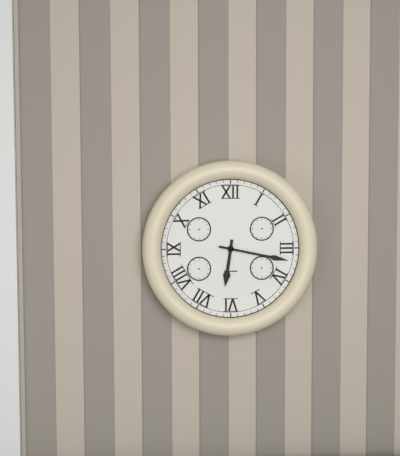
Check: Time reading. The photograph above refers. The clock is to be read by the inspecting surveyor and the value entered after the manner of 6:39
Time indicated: 6:17
